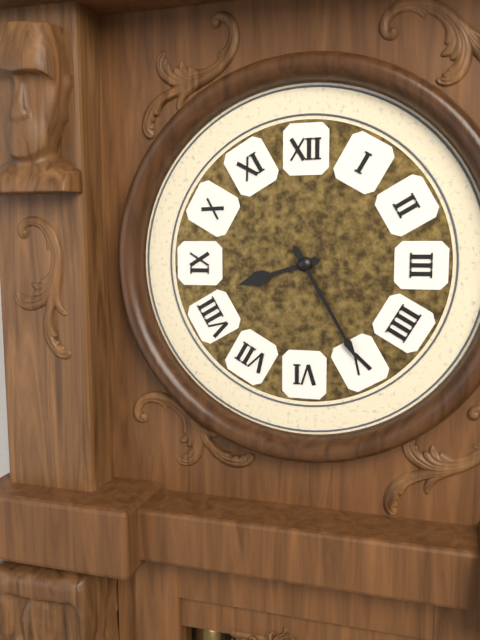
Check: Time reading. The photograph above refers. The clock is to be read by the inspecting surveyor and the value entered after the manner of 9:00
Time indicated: 8:25
